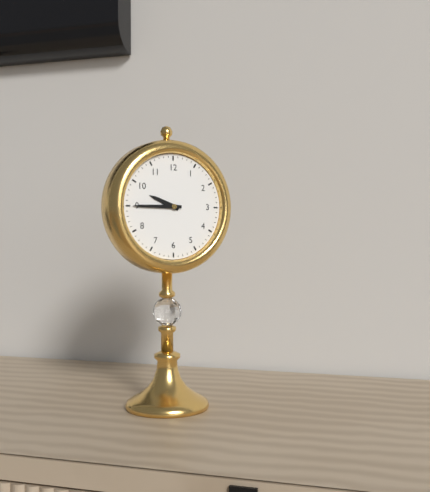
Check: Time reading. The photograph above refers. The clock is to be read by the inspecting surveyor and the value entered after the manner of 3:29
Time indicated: 9:45
